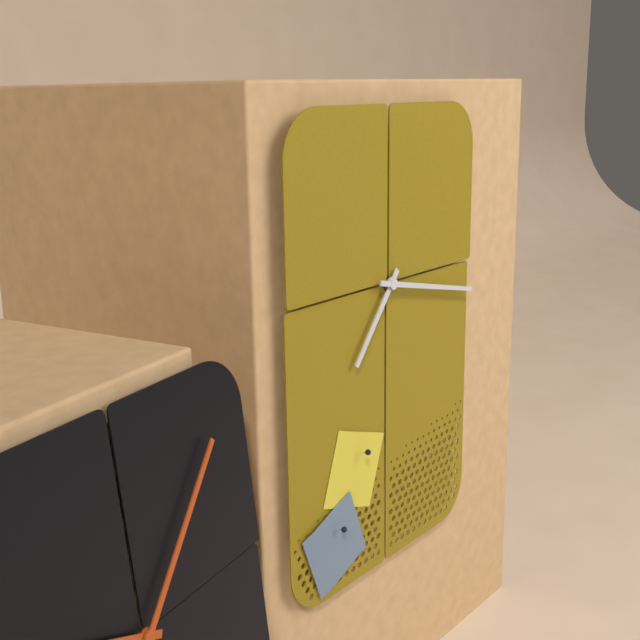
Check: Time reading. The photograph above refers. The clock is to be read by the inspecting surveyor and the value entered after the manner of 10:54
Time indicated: 7:17
